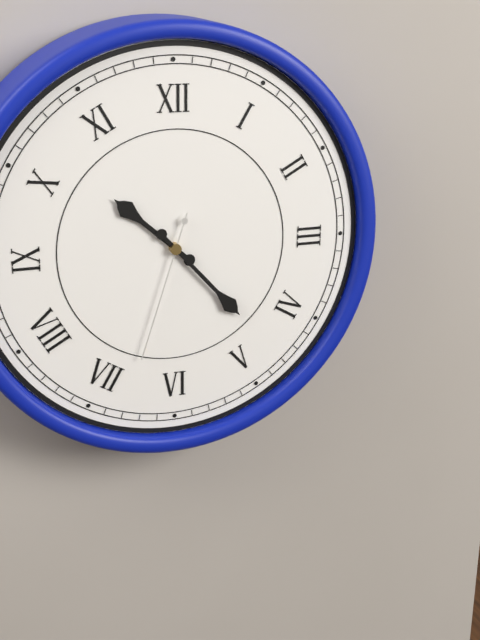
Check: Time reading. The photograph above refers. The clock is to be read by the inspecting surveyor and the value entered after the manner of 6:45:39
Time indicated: 10:23:33
